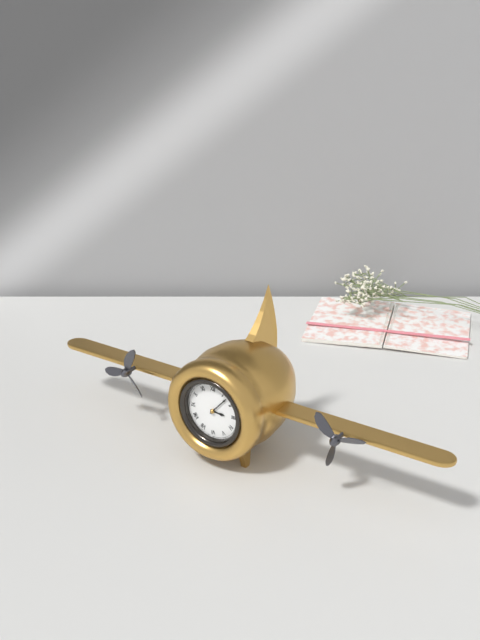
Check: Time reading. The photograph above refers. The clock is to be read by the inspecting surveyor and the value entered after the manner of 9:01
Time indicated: 3:07
